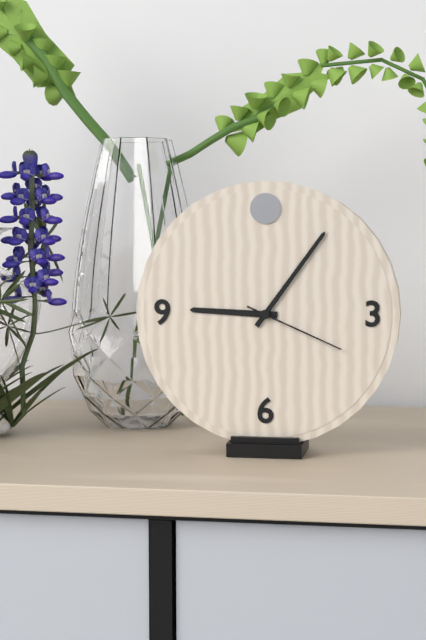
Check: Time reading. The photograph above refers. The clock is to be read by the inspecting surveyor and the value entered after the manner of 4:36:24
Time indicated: 9:06:19
